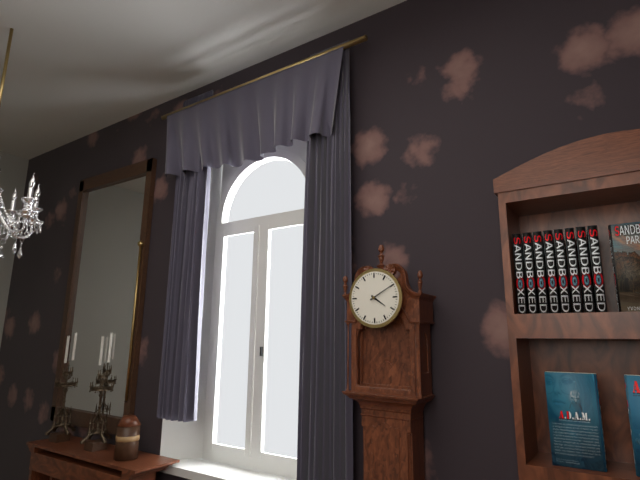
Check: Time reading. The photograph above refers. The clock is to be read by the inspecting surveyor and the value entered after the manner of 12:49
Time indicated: 4:10
